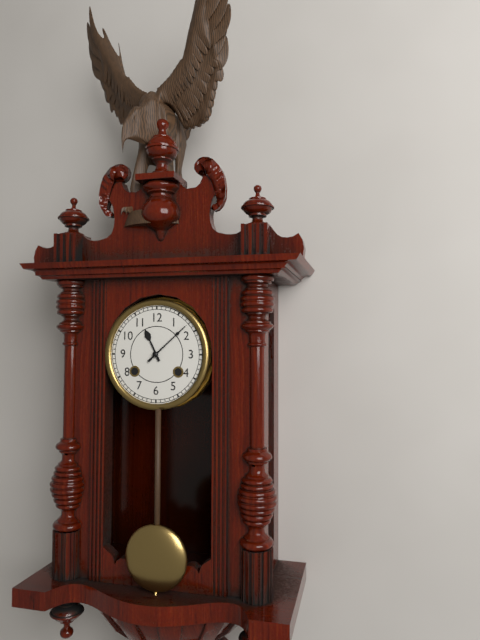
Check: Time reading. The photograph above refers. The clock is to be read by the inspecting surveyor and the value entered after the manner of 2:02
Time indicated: 11:08
